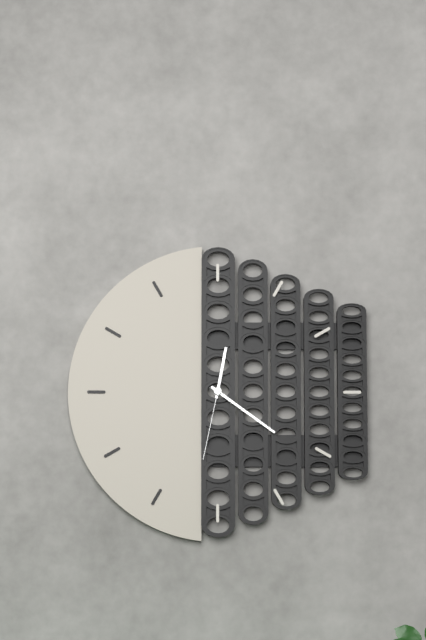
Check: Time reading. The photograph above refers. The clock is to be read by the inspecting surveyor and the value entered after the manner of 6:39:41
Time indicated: 12:21:32
